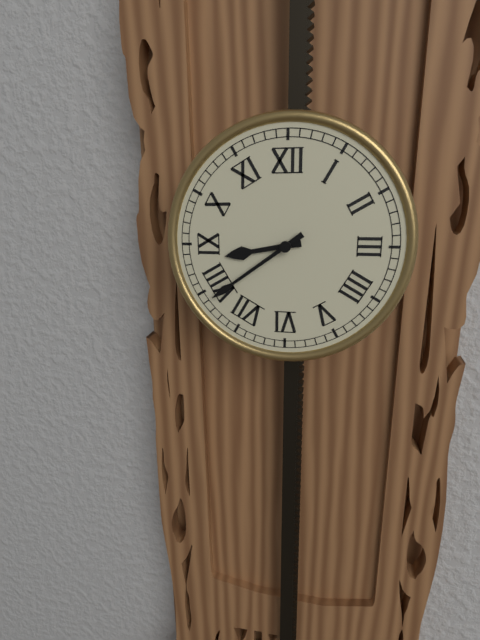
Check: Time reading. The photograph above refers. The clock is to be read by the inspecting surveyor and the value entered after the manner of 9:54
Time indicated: 8:39
